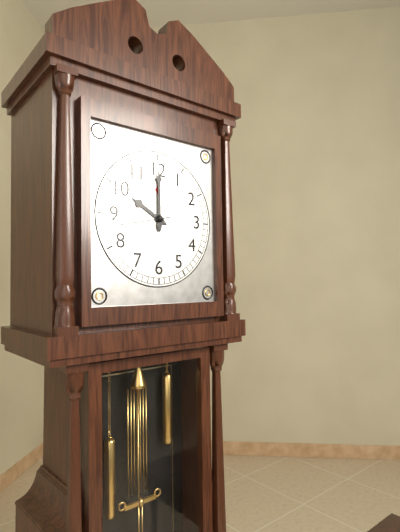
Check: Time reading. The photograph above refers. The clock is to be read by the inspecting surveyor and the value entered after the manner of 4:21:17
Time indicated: 10:00:43
